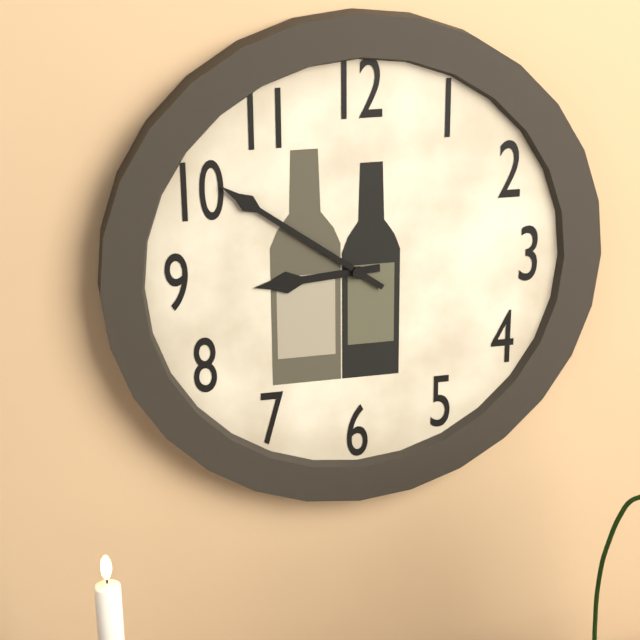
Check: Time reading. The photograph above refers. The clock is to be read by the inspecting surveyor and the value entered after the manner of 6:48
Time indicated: 8:51
